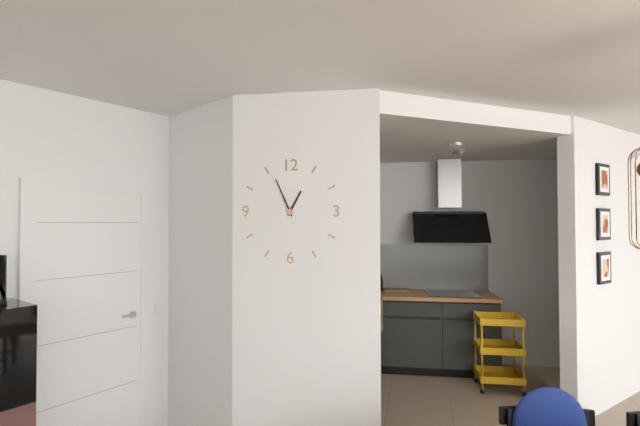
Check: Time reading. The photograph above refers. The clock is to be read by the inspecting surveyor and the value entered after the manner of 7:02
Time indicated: 12:56
